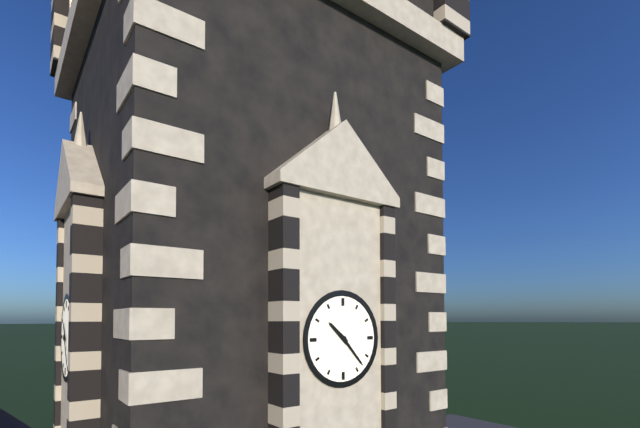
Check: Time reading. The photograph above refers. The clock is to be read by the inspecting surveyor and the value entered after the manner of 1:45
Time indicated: 10:23
